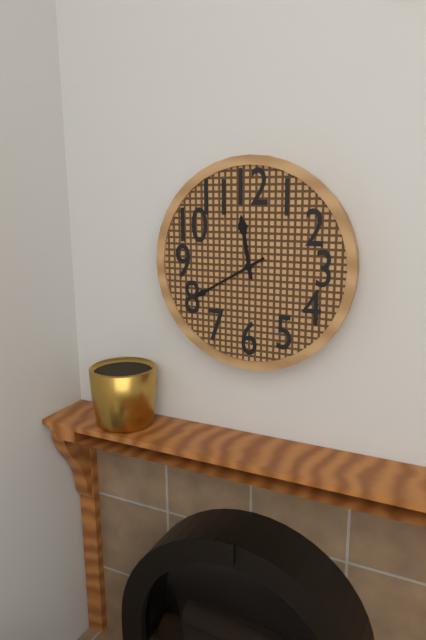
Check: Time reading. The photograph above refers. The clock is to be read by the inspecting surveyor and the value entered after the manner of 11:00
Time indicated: 11:40
